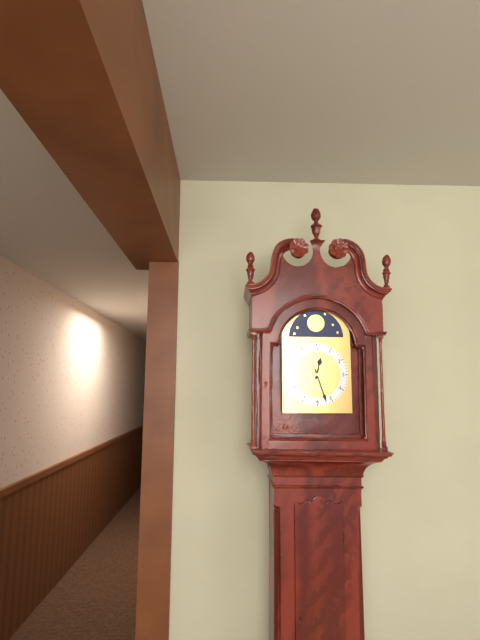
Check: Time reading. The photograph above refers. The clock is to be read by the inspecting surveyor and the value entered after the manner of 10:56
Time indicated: 12:27
